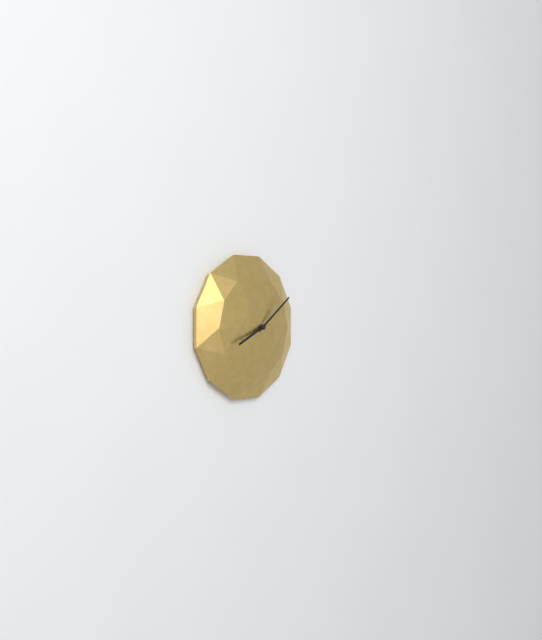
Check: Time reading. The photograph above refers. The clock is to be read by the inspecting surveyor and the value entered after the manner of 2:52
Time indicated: 8:09
